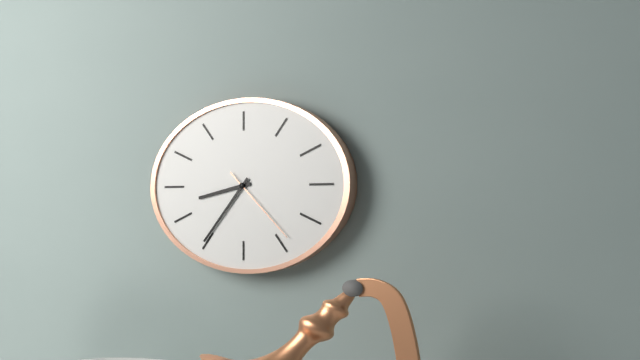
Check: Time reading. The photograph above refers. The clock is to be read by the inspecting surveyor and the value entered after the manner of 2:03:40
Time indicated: 8:37:22
